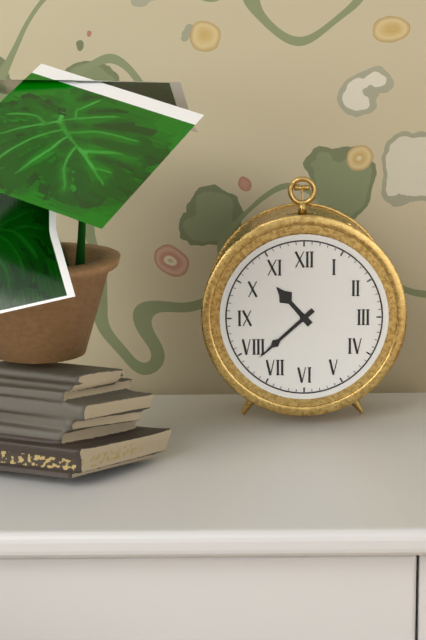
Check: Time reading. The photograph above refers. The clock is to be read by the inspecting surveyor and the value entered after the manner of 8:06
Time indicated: 10:38
